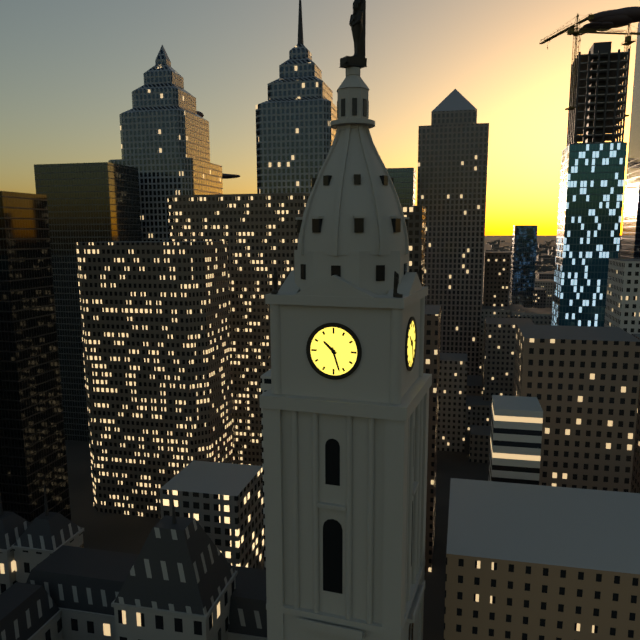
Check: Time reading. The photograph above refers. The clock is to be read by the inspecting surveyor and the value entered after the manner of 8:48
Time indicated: 10:27
